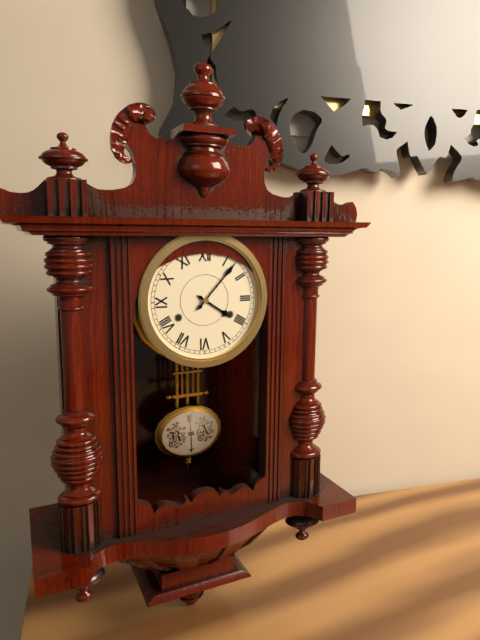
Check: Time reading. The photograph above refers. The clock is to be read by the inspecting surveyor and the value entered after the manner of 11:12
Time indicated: 4:07
